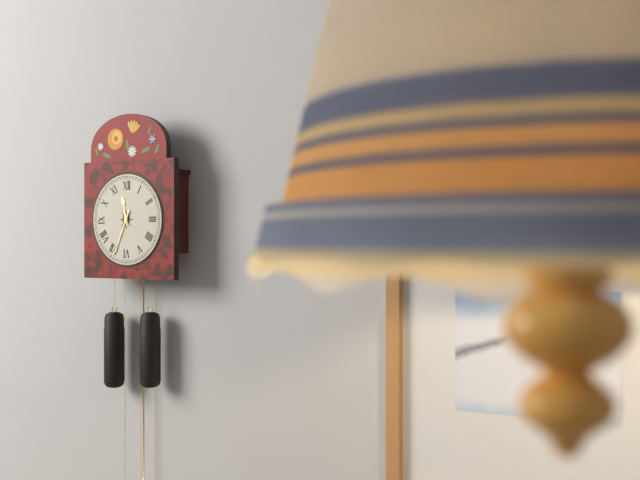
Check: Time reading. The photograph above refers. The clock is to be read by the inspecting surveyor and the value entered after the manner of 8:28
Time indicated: 11:34
